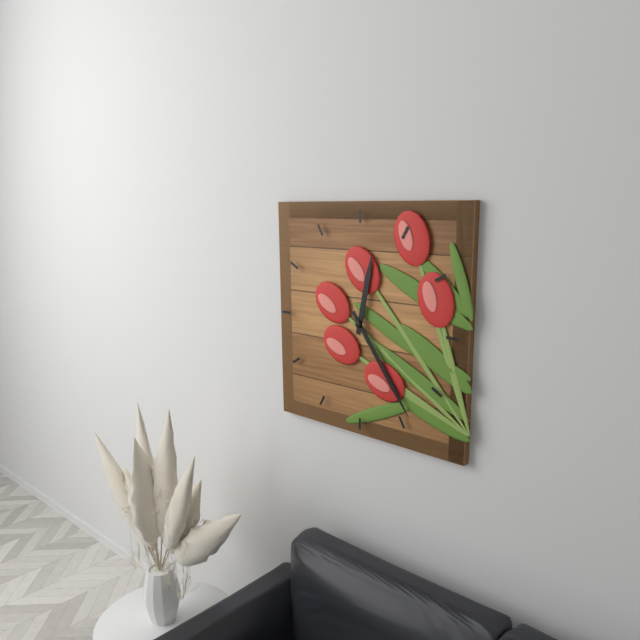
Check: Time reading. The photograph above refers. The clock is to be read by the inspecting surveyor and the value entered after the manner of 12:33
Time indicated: 12:24
